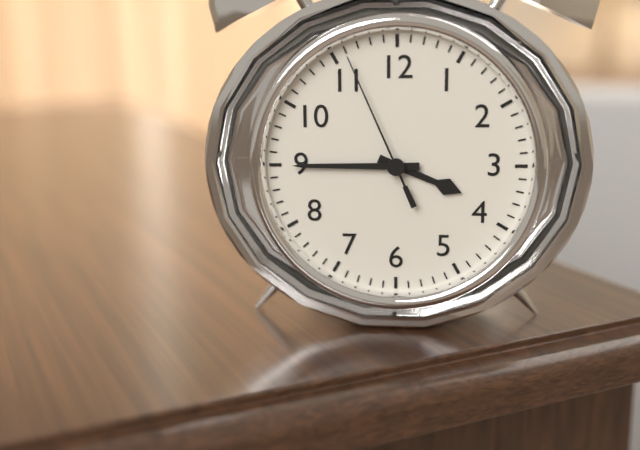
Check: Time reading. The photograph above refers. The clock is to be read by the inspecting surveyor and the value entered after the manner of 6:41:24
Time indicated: 3:45:56
